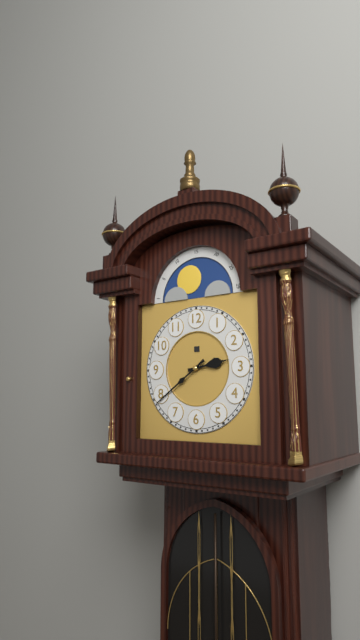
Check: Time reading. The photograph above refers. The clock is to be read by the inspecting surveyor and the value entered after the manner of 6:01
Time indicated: 2:39
